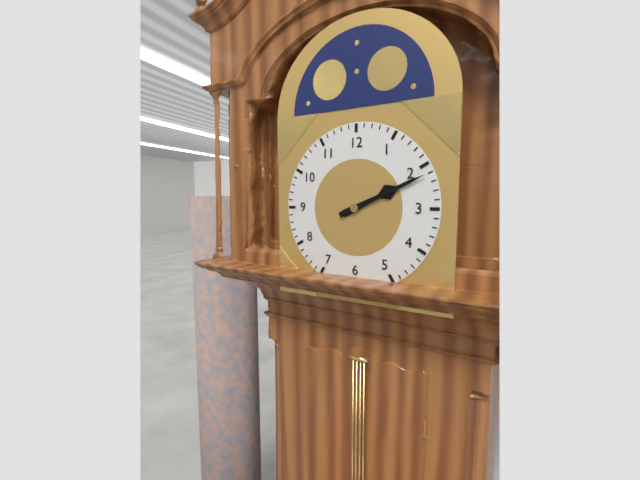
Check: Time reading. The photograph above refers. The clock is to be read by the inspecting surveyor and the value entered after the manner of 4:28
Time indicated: 2:11
